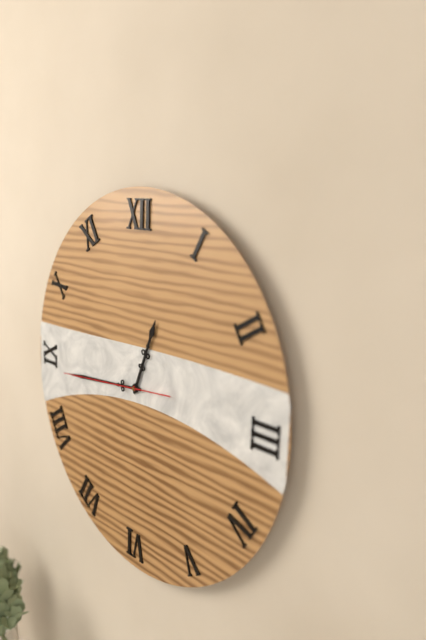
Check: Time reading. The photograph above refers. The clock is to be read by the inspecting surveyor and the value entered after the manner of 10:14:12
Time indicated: 12:44:44
